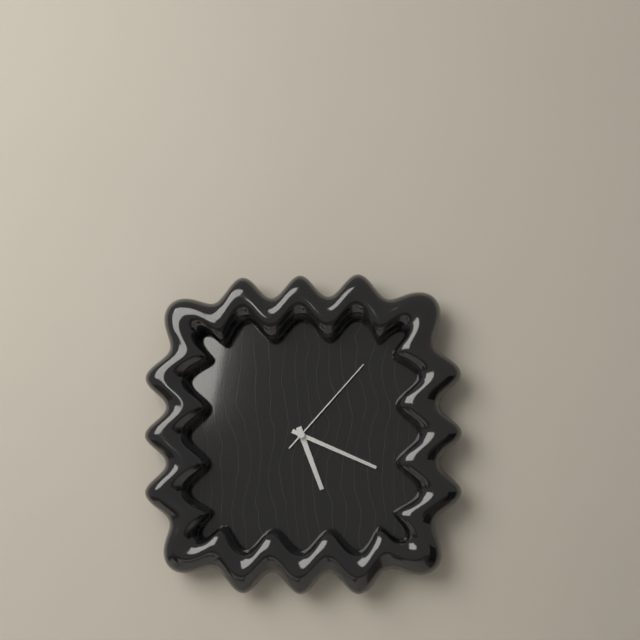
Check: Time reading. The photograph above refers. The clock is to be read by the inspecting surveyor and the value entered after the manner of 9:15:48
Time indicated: 5:19:07
